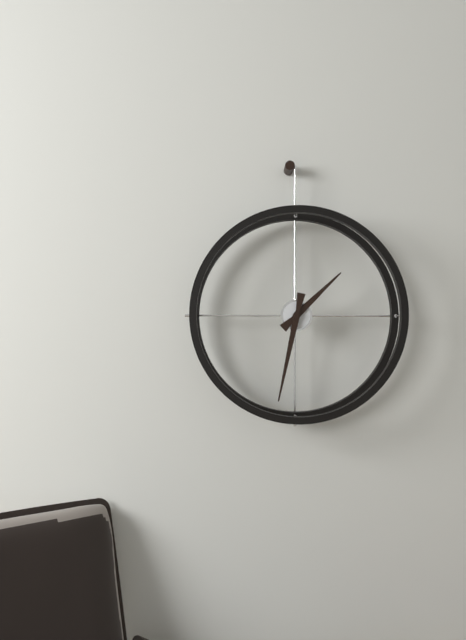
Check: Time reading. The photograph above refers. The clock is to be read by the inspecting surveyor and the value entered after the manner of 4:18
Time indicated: 1:32
